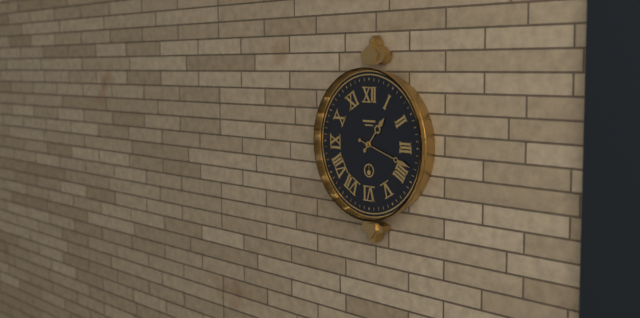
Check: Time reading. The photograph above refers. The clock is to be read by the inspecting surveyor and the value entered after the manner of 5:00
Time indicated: 1:18
